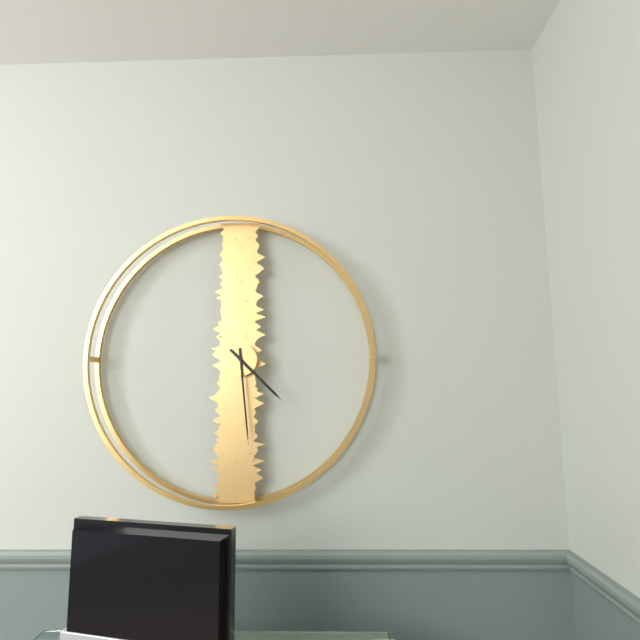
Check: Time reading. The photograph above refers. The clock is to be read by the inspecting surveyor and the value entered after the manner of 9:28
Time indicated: 4:29
